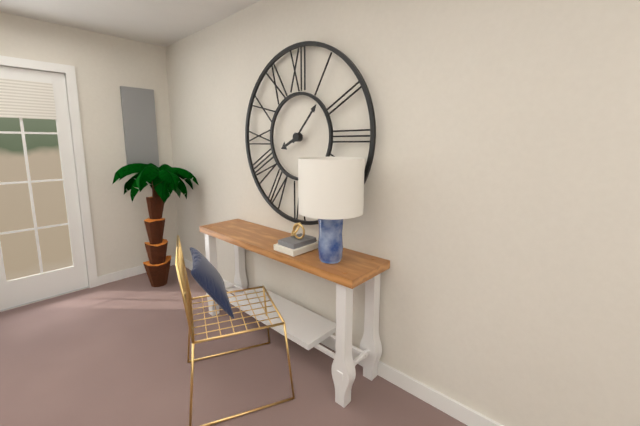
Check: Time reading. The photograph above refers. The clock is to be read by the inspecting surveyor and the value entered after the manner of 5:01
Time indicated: 8:07
